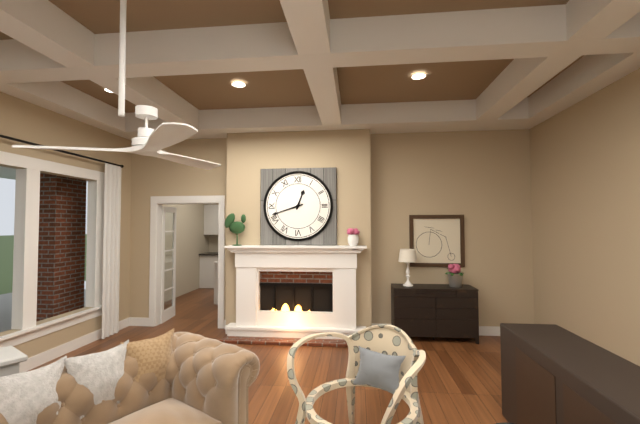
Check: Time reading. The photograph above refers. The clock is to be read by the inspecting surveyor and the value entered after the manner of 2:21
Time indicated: 12:42
